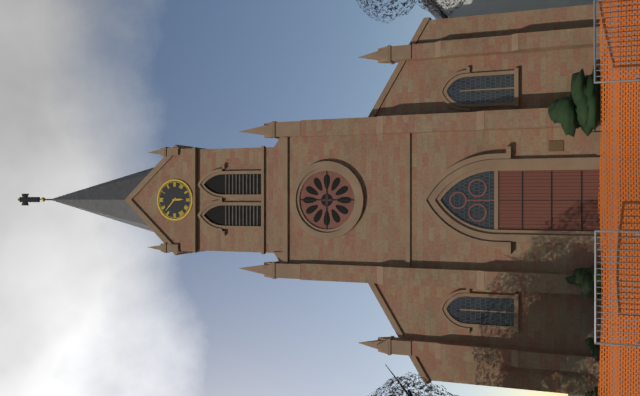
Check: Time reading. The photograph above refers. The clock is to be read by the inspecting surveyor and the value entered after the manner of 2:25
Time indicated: 5:52
